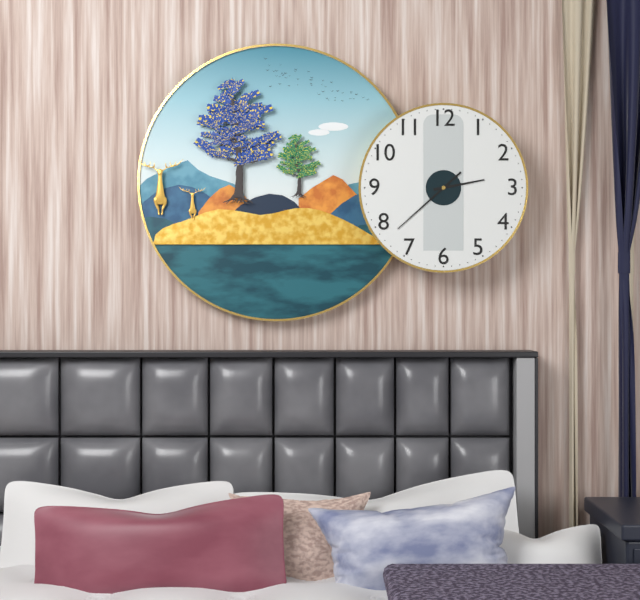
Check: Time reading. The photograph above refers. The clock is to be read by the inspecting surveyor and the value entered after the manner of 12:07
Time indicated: 2:38
